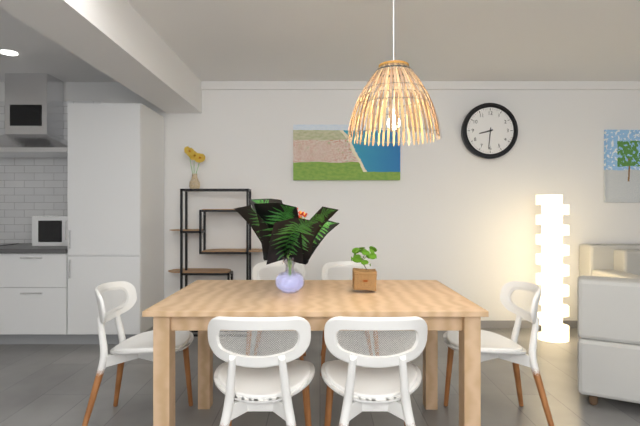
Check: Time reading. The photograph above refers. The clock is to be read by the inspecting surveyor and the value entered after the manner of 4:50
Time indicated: 8:31
